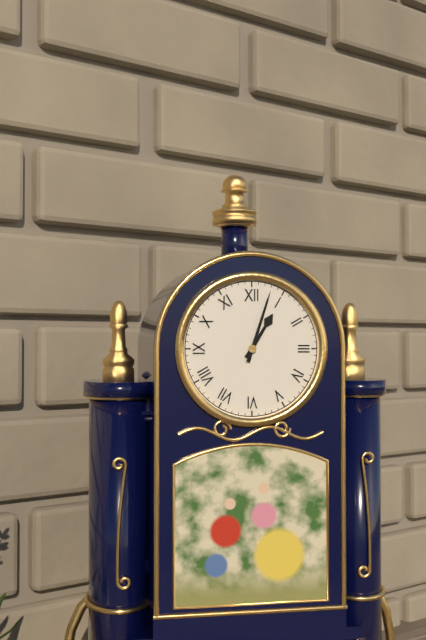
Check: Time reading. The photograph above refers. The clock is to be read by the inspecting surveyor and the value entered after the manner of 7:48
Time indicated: 1:03
